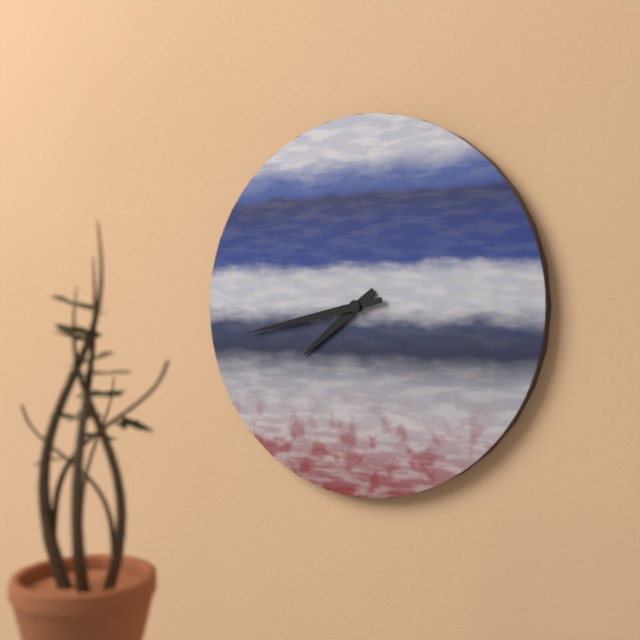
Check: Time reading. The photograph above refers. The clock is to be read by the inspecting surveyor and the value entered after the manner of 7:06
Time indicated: 7:43
